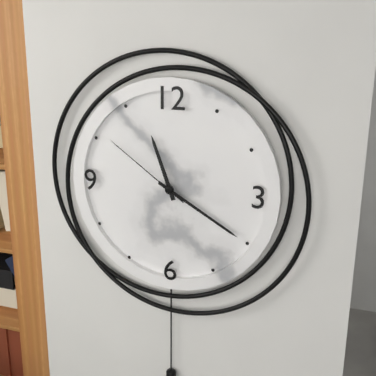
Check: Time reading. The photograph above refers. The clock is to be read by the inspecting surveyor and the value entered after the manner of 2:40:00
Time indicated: 11:20:51
